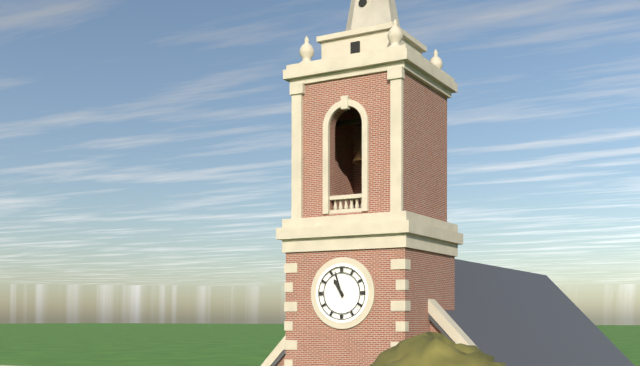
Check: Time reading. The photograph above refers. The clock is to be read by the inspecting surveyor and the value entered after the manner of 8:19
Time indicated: 10:57
